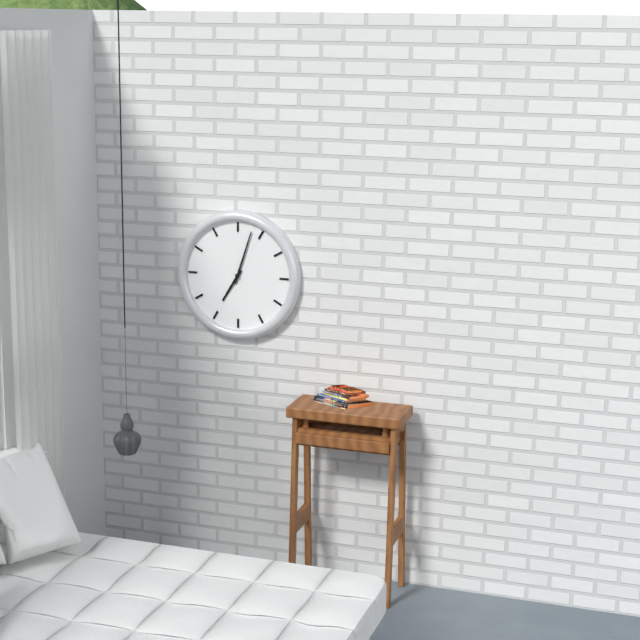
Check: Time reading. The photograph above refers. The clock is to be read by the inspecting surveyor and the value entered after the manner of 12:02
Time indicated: 7:03
